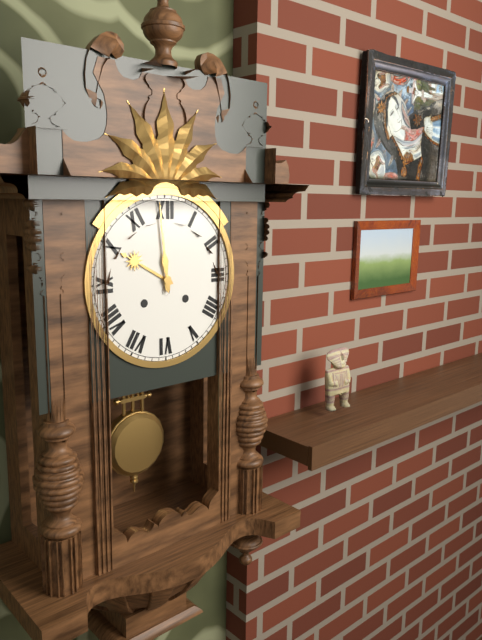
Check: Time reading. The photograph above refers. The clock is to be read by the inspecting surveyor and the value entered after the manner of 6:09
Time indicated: 9:59
